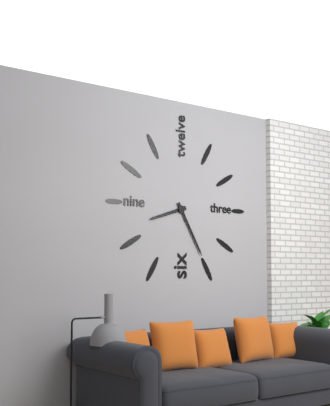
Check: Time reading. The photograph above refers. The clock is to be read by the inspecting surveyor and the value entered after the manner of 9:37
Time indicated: 8:25
